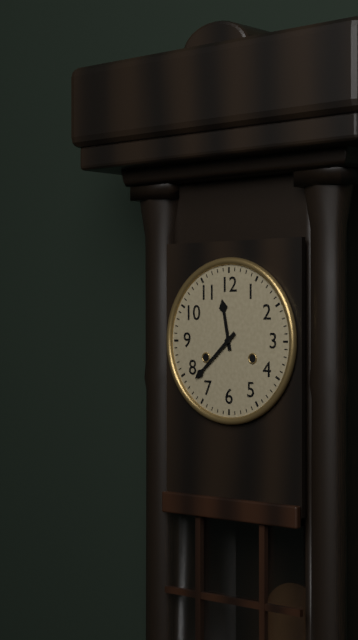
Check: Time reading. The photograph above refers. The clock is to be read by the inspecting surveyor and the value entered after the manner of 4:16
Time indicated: 11:38
